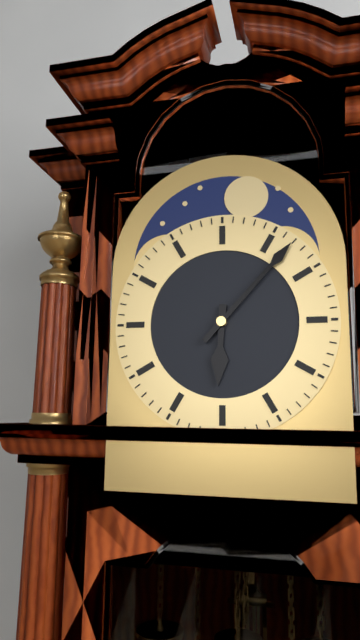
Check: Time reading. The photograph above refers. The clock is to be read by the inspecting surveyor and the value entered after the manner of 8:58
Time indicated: 6:07
